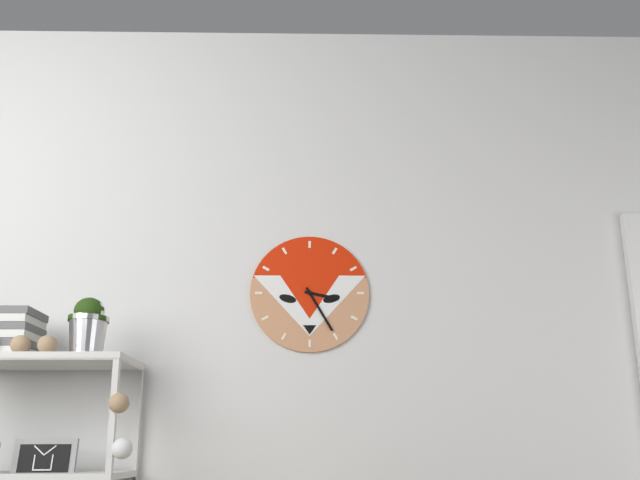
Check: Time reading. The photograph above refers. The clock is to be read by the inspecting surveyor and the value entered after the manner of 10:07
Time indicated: 3:25
